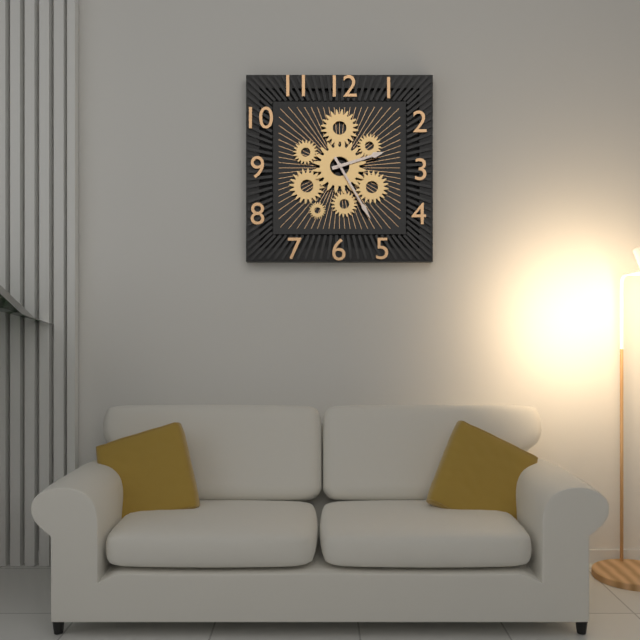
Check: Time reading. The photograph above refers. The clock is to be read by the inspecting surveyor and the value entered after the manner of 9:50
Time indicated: 2:25
